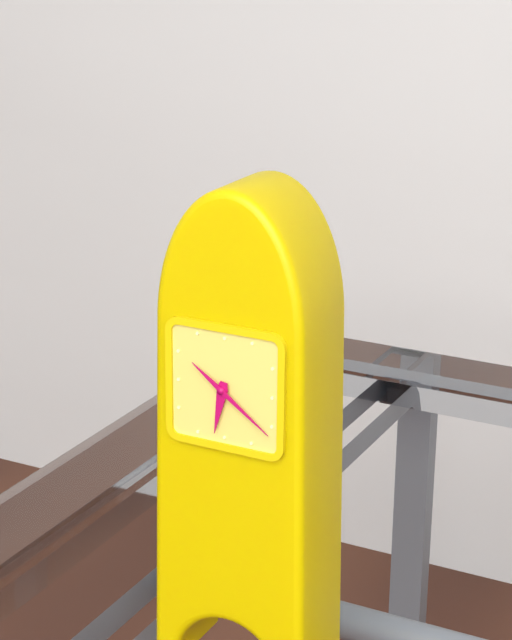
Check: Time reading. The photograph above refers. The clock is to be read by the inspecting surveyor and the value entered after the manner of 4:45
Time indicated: 6:21
